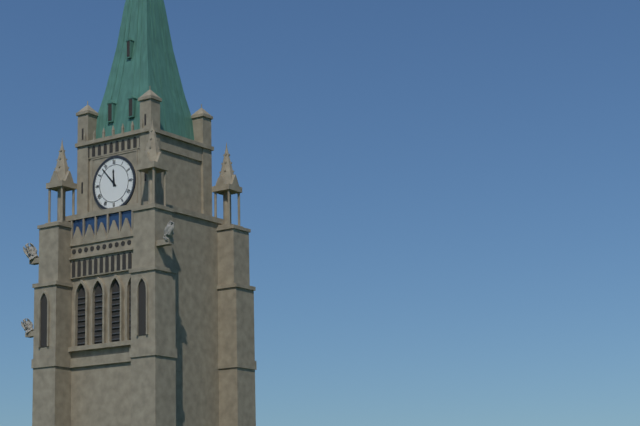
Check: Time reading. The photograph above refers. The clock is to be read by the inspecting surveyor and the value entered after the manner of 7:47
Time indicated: 11:53
